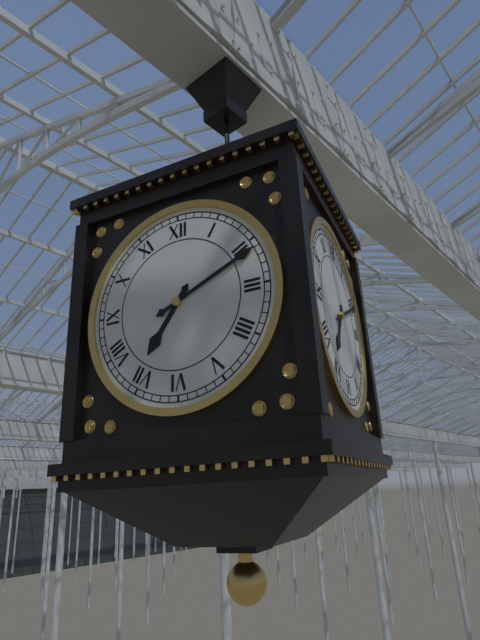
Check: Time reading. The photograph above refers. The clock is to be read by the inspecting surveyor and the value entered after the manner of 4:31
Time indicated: 7:11
